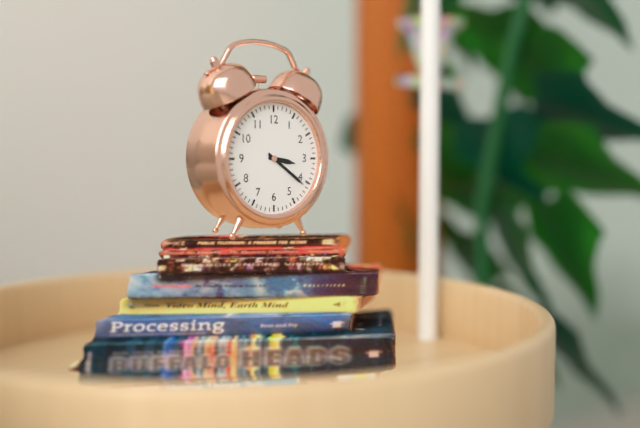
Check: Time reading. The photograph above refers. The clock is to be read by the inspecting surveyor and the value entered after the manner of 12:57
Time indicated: 3:21
